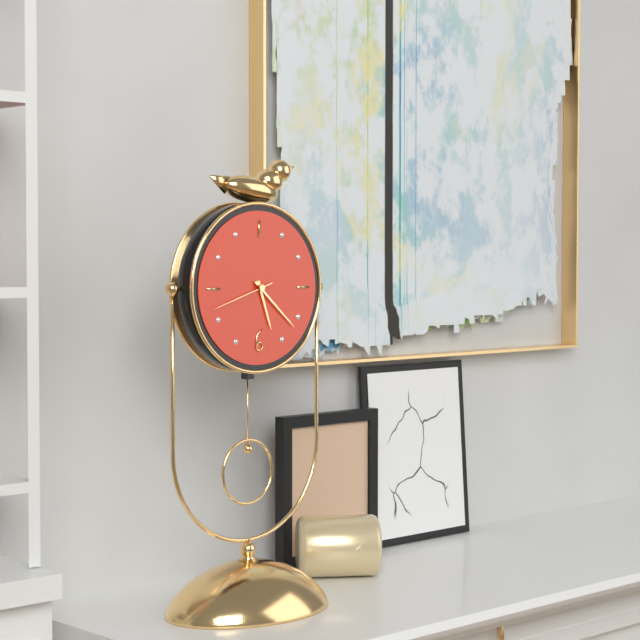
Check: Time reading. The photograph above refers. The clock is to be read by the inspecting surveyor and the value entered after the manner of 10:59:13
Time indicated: 5:22:42
